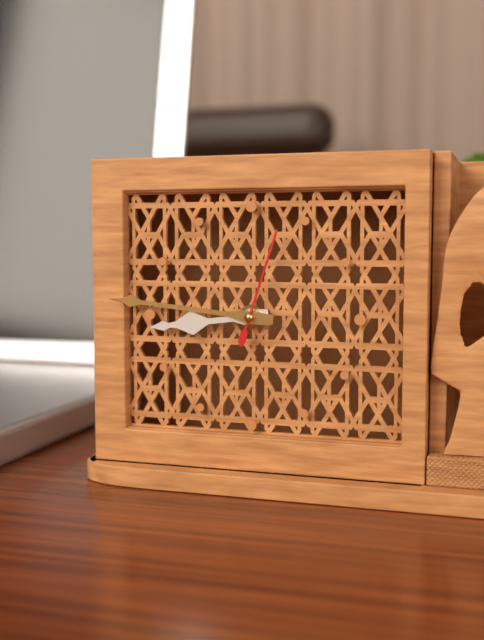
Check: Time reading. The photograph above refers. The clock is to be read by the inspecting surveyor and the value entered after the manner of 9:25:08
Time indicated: 8:46:03
